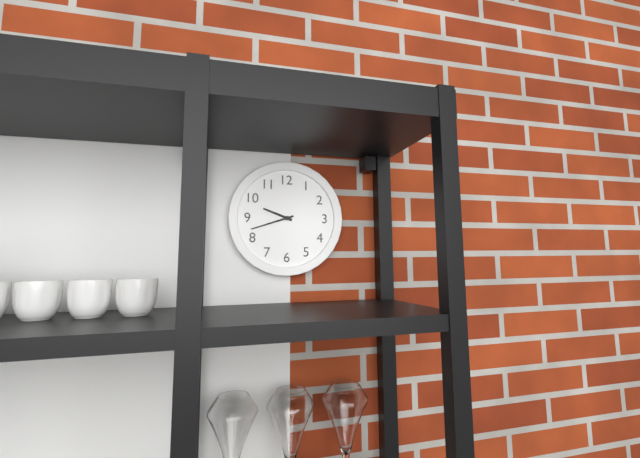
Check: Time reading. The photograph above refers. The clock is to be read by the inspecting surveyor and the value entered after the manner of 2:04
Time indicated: 9:42
